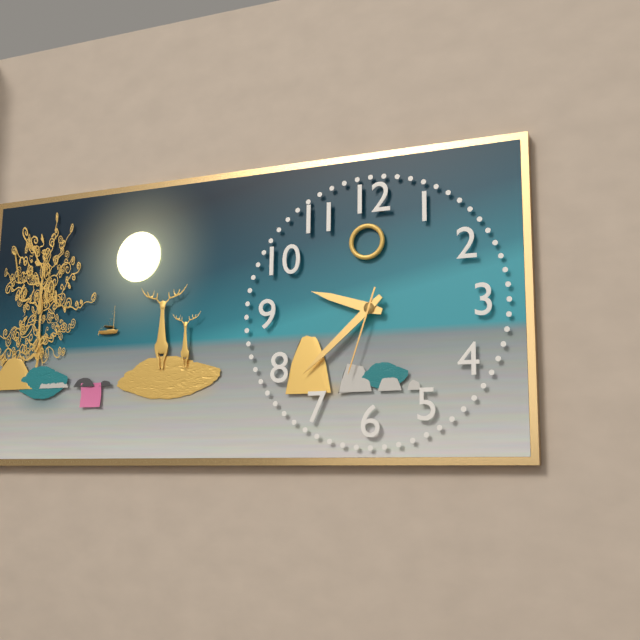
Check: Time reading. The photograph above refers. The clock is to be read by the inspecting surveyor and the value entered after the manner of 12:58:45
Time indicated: 9:38:33
